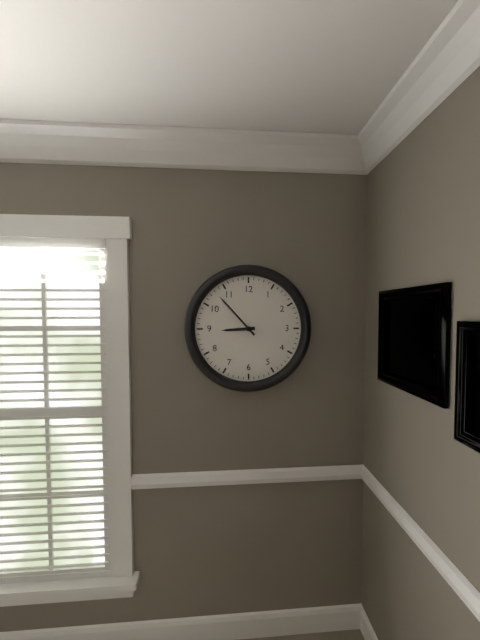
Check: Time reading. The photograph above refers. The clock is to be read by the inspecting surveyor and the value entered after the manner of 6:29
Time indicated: 8:53
